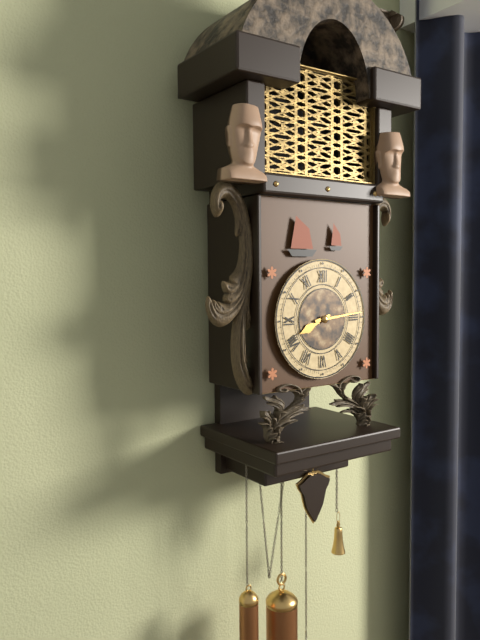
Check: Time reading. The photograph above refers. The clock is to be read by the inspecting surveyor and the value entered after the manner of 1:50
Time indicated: 8:14
